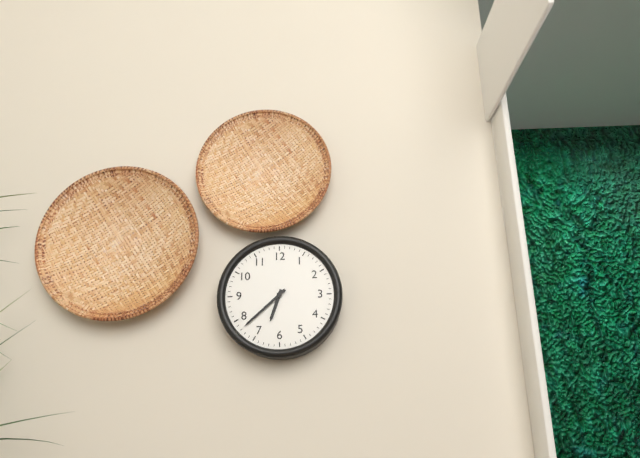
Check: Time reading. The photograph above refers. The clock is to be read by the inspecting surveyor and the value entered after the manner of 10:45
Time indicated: 6:38
